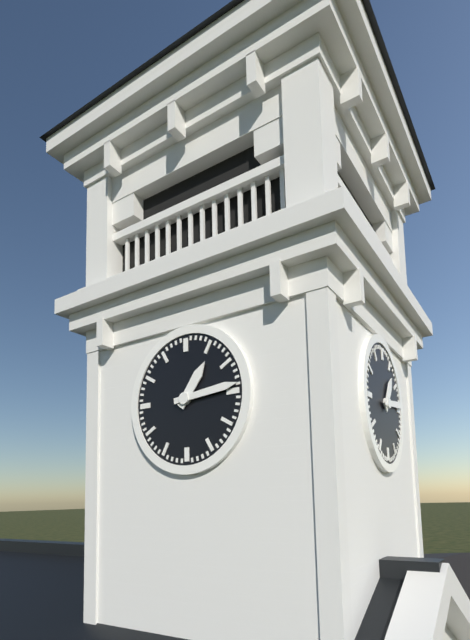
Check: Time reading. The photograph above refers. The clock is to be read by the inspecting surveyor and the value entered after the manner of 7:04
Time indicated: 1:14
